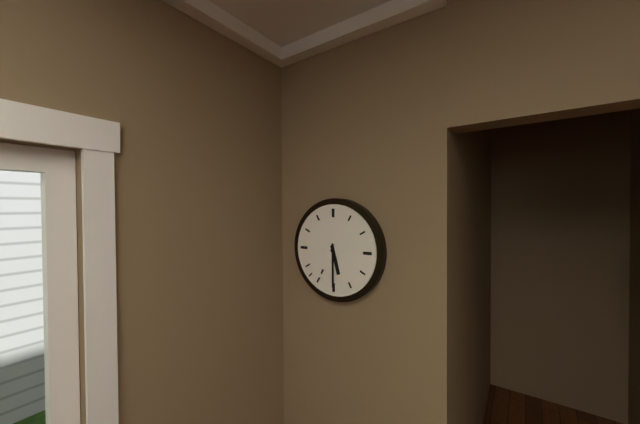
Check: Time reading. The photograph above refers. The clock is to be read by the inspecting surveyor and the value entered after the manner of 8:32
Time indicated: 5:30
